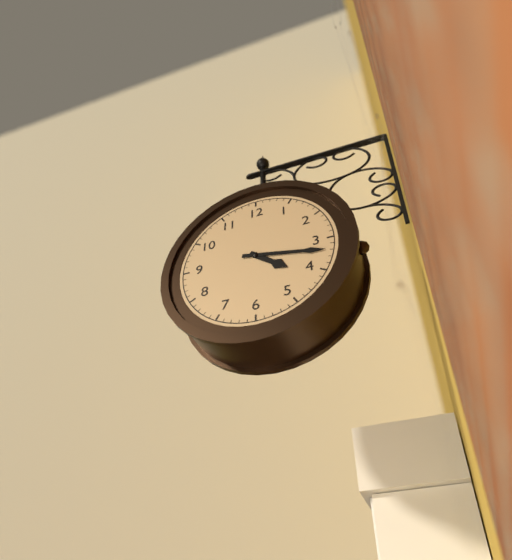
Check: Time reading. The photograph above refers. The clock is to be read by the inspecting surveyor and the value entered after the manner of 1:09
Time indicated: 4:17
